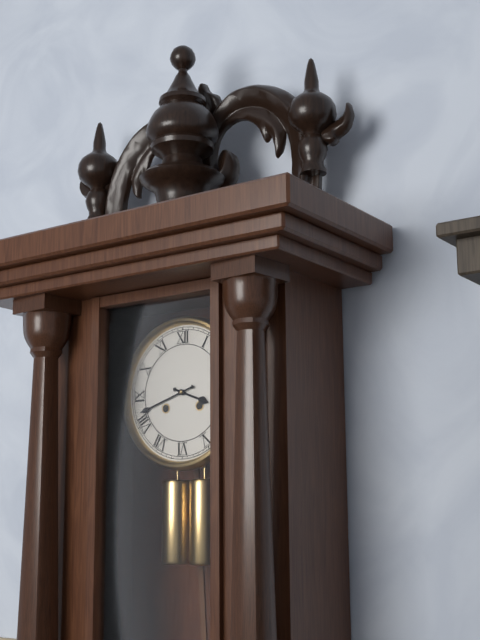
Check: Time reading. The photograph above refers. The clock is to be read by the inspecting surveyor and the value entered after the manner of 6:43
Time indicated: 3:42
